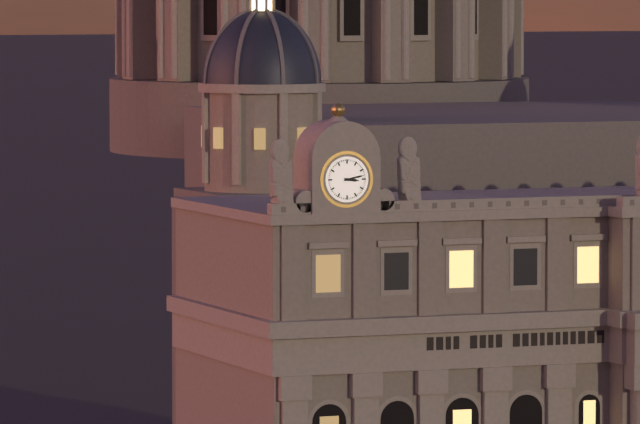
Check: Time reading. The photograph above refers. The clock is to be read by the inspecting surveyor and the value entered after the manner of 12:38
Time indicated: 3:13
